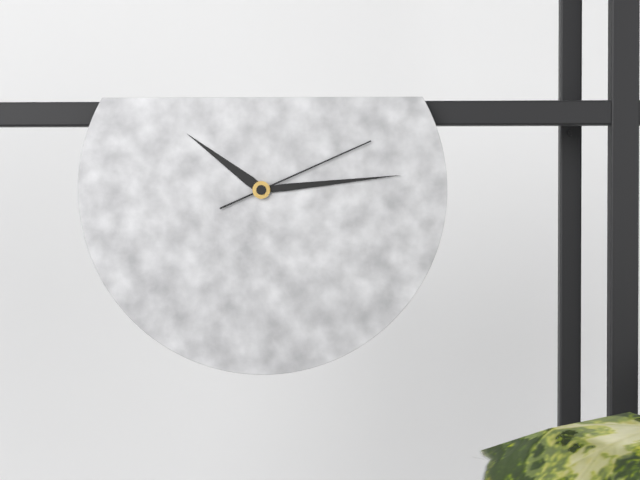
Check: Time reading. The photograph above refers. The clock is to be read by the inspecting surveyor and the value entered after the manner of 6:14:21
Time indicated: 10:14:11
